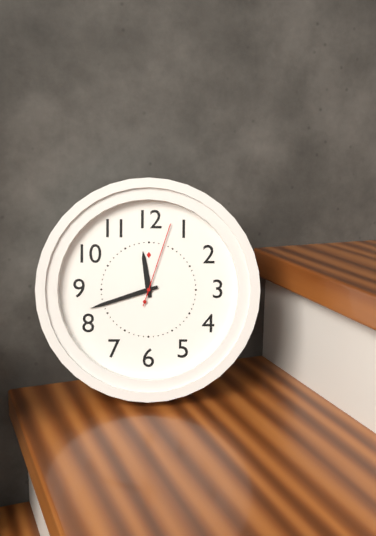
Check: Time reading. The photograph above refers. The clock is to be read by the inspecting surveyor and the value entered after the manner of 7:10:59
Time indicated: 11:42:03
